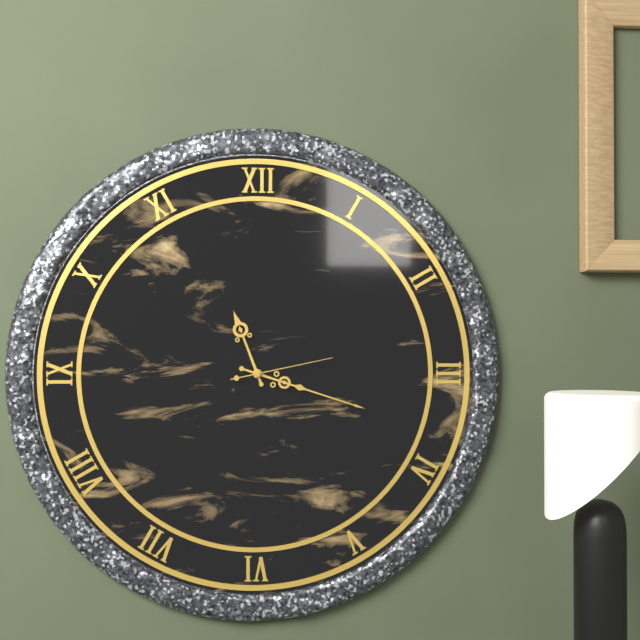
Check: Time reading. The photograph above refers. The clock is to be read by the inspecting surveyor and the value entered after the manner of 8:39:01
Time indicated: 11:18:13
